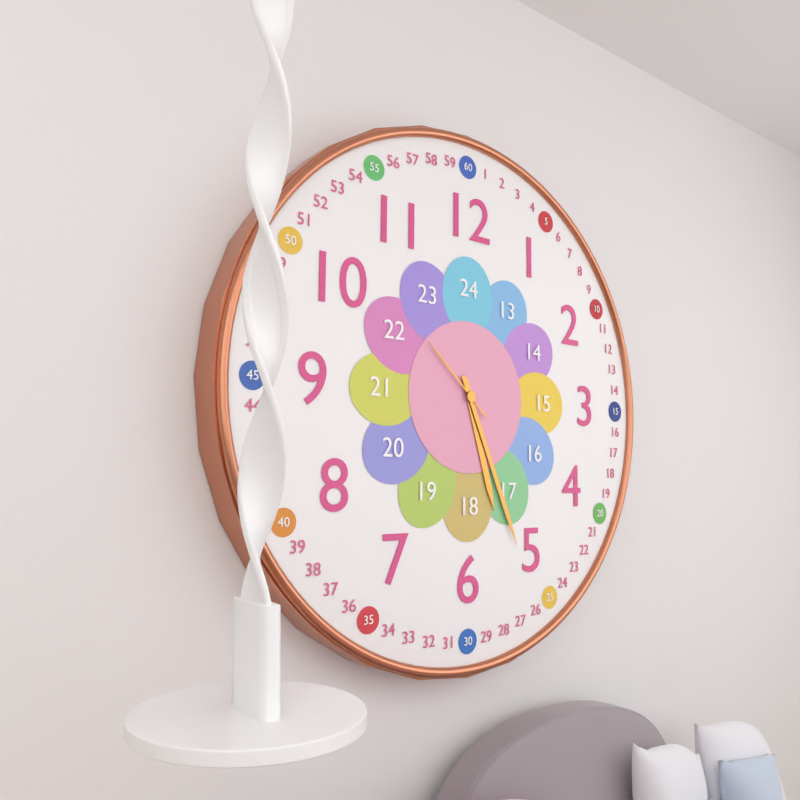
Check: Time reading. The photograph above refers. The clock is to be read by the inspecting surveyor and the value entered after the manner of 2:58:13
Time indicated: 5:26:52
